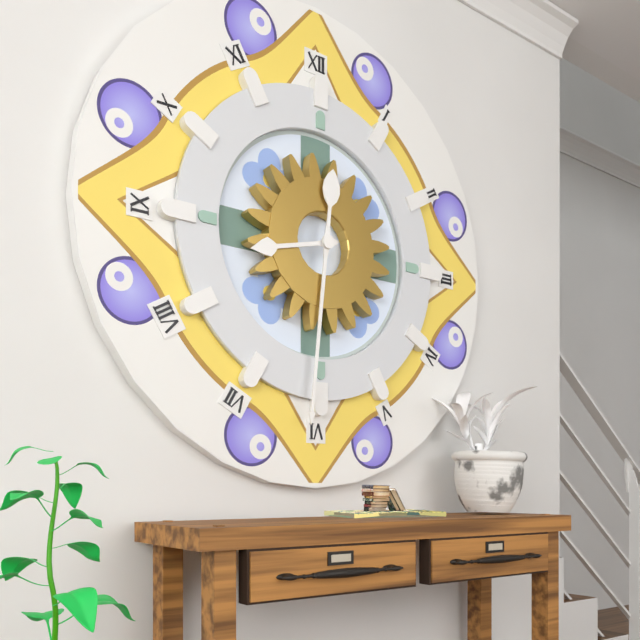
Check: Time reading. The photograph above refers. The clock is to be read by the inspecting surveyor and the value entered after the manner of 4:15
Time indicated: 8:31
